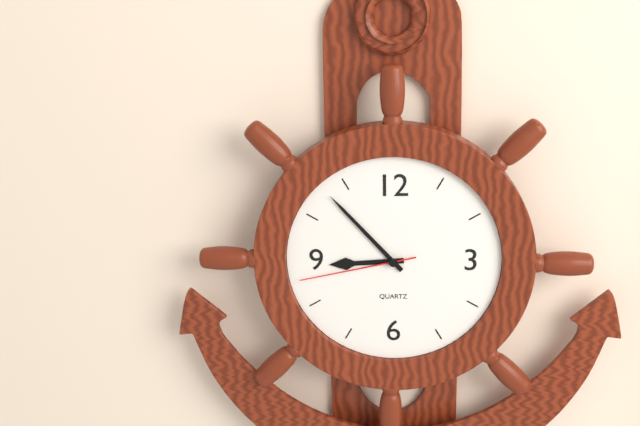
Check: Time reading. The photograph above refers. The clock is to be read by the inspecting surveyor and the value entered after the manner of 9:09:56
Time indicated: 8:53:43
